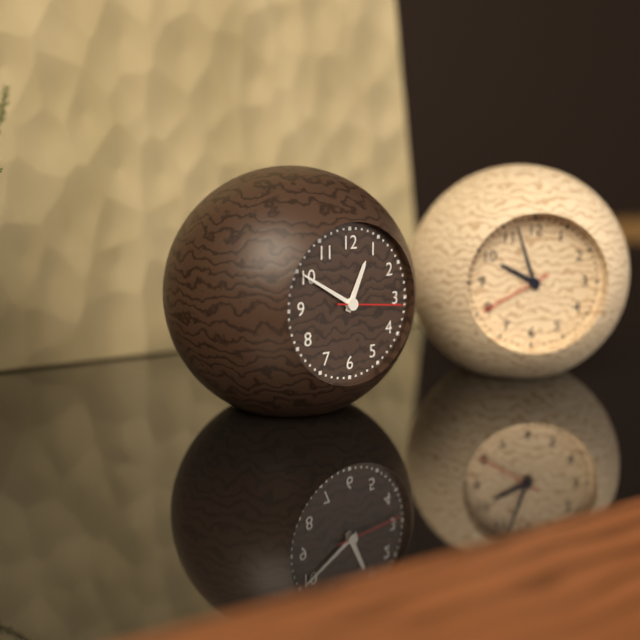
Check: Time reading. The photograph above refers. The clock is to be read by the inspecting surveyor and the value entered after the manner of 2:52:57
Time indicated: 12:50:16
